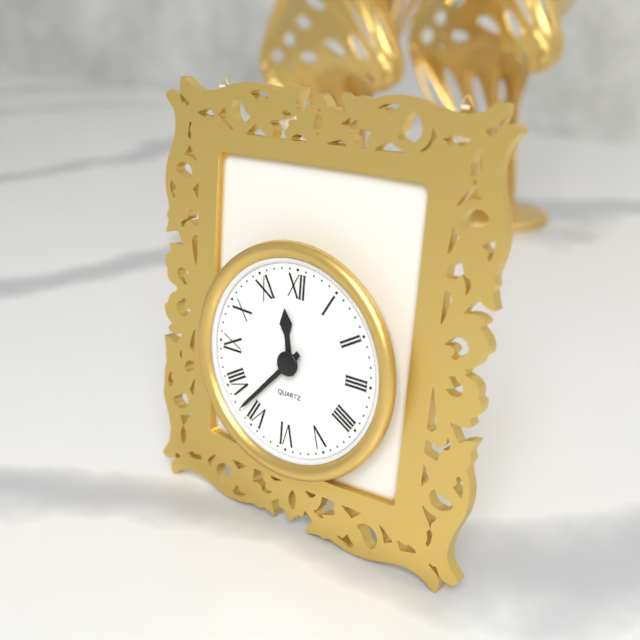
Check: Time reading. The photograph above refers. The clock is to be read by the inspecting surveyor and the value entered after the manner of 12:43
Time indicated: 11:37
